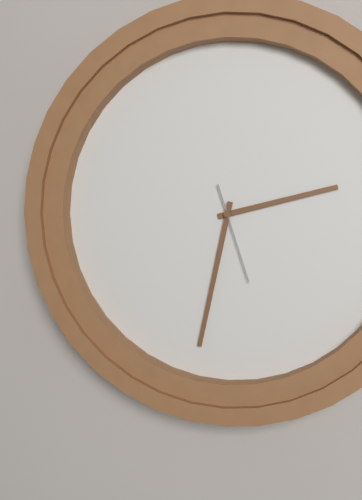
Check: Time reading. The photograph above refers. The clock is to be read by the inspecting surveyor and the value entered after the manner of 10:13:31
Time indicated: 2:32:27
